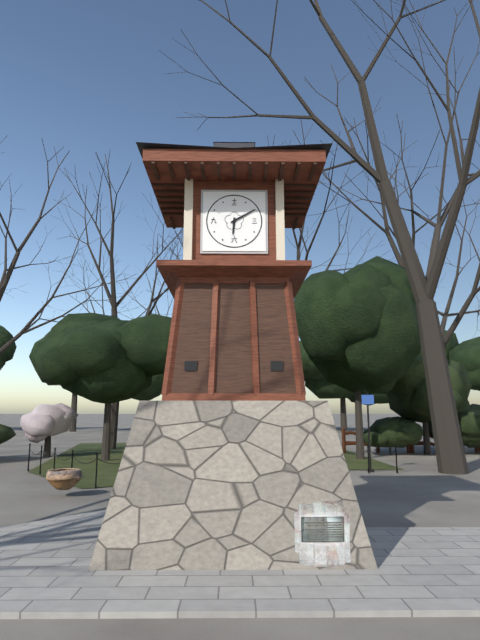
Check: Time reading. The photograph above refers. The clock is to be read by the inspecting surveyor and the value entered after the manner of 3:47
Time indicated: 6:10
